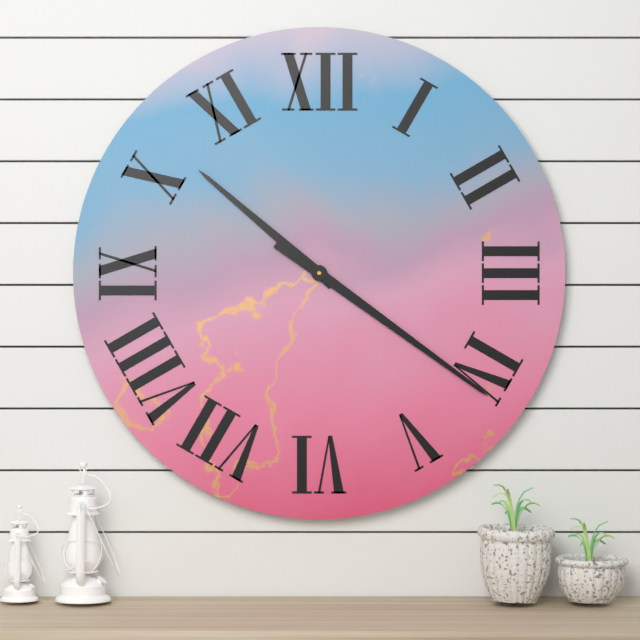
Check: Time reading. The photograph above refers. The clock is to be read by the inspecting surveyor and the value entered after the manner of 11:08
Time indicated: 10:21
